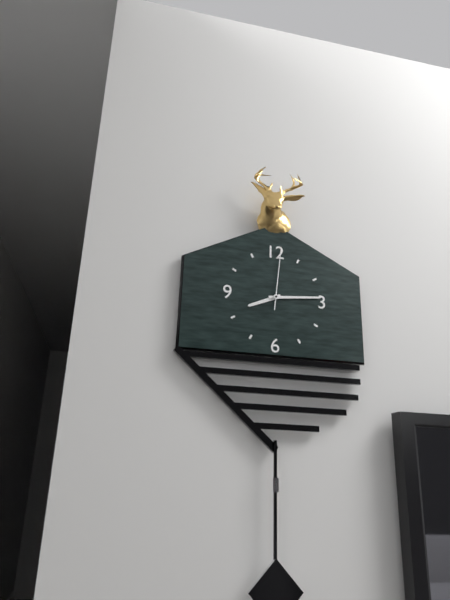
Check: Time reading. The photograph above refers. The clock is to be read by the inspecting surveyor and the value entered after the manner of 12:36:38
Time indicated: 8:14:01
